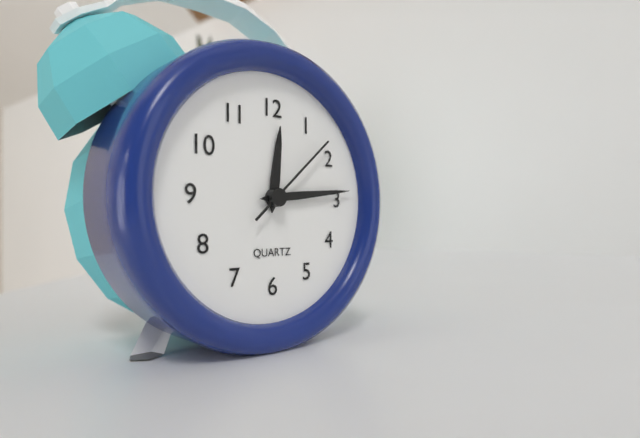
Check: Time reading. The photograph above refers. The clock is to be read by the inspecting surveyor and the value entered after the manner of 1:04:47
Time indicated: 12:14:08
